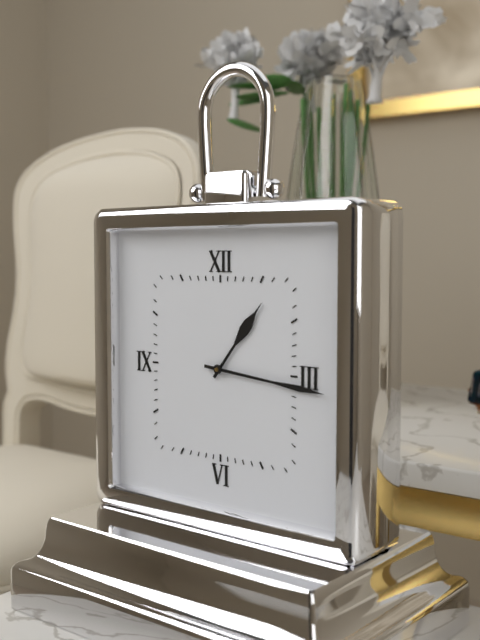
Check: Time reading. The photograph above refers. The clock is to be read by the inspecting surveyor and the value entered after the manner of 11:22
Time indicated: 1:16
